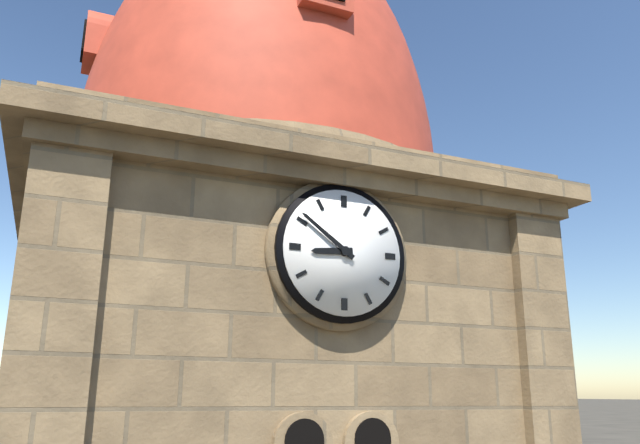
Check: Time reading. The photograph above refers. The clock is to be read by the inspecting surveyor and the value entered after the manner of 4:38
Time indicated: 8:51
